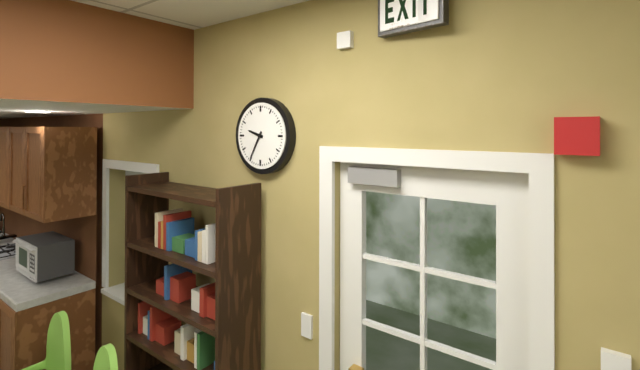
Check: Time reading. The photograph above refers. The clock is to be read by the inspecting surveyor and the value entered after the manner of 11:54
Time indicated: 9:35
